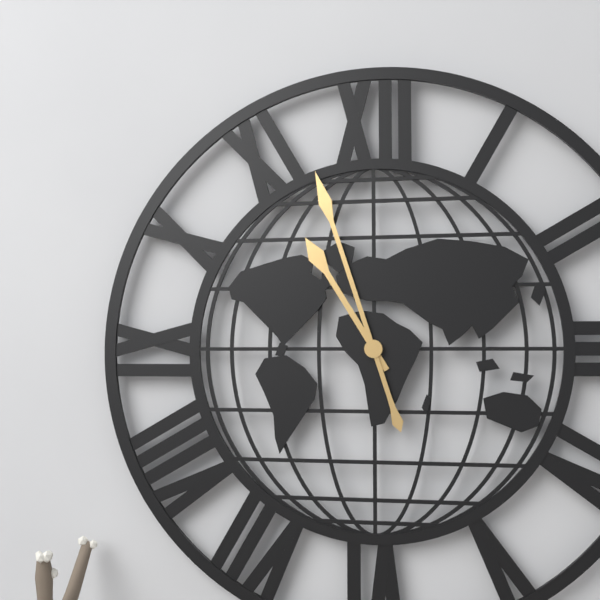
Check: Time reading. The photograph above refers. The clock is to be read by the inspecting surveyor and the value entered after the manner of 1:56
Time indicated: 10:57
